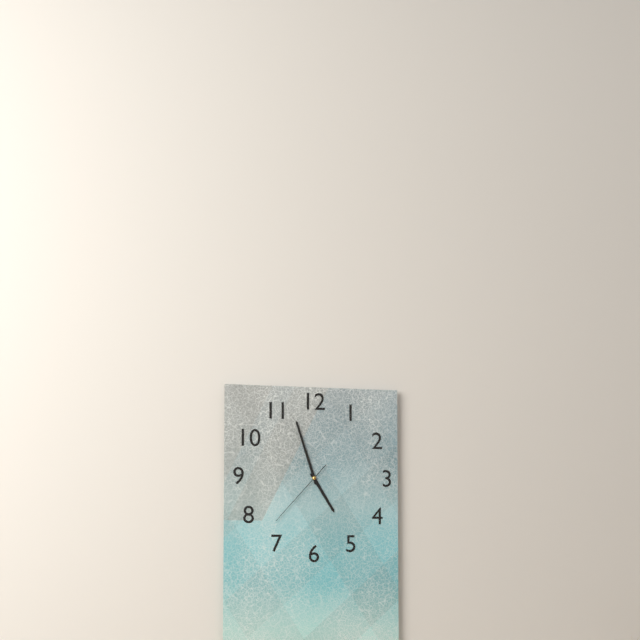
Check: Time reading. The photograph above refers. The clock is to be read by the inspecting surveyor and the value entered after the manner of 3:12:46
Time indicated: 4:57:37
